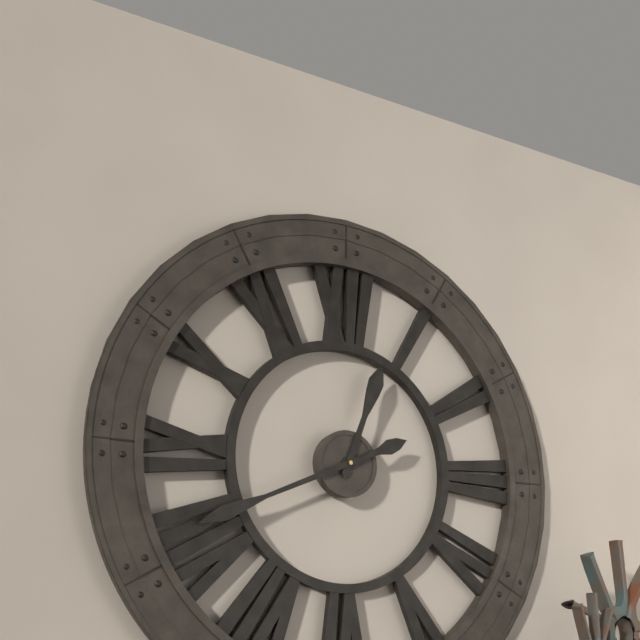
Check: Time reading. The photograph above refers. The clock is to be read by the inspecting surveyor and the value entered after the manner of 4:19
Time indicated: 12:41
